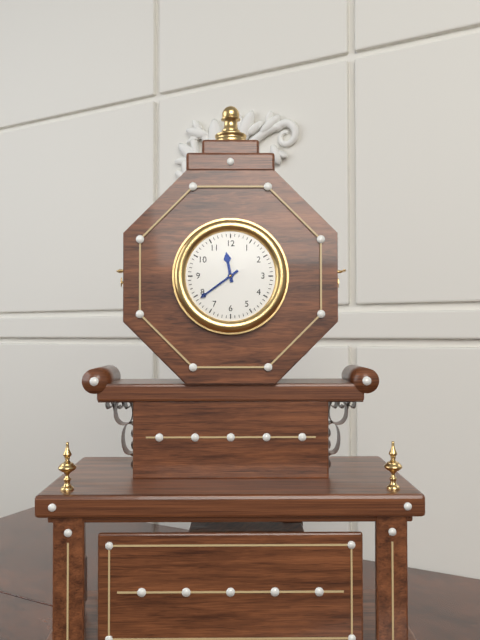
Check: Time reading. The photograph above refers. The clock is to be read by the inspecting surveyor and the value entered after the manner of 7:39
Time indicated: 11:39
